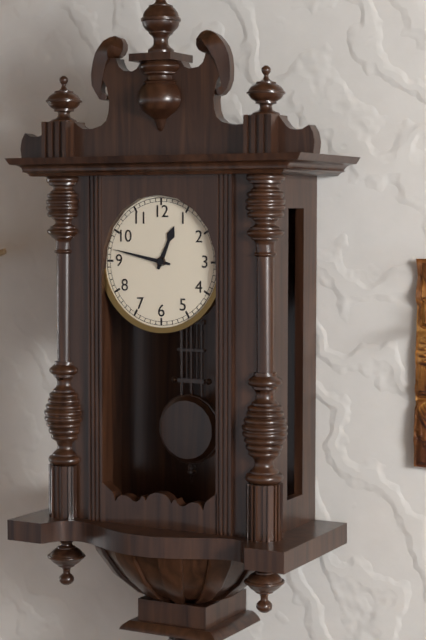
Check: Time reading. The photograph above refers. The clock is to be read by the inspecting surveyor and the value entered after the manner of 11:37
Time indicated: 12:47
